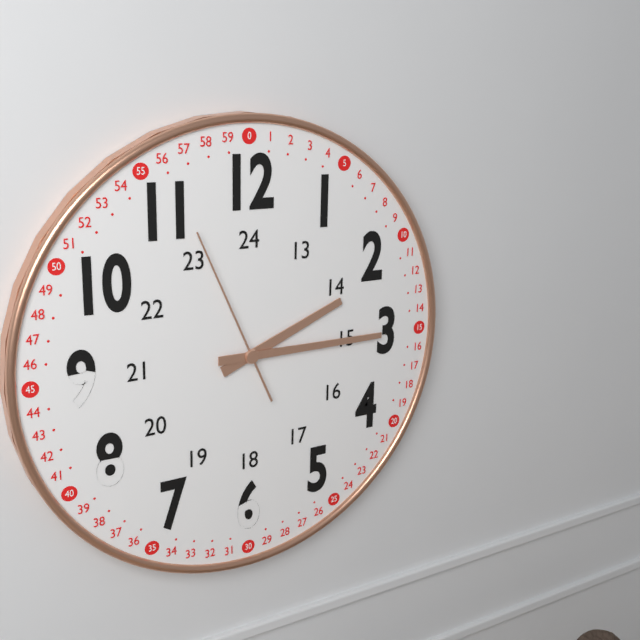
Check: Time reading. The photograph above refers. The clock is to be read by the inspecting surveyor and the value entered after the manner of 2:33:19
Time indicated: 2:15:56
